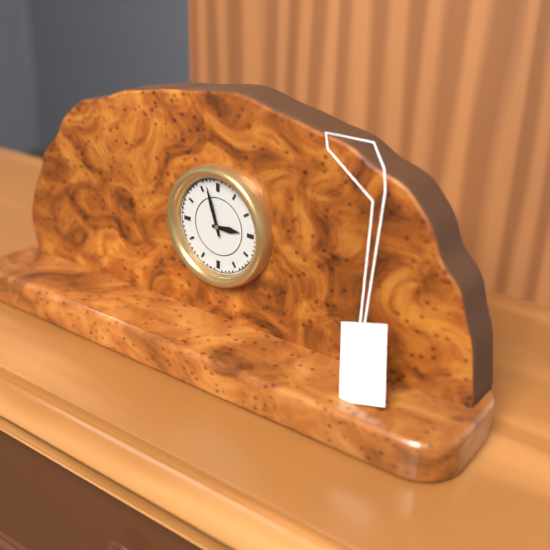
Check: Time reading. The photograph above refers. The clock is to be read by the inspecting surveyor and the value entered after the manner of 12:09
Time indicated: 2:57
